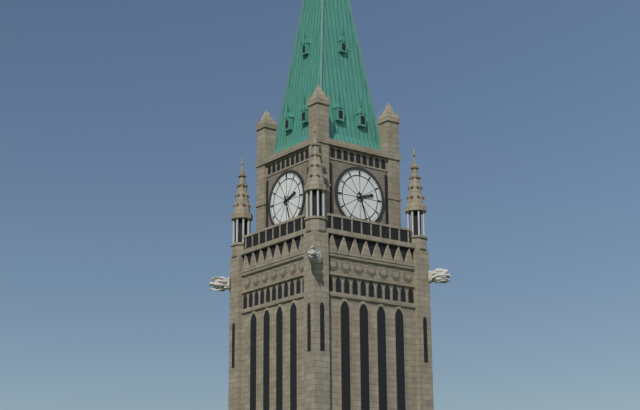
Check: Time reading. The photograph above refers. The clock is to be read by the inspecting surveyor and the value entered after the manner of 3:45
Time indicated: 2:27
